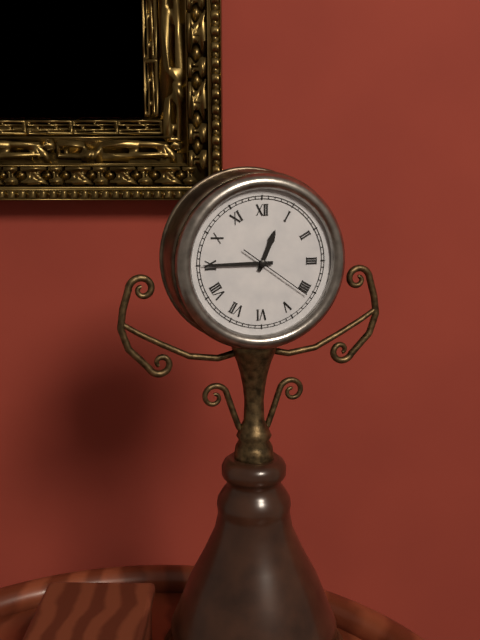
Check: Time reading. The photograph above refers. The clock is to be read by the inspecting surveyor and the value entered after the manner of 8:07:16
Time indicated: 12:45:21
